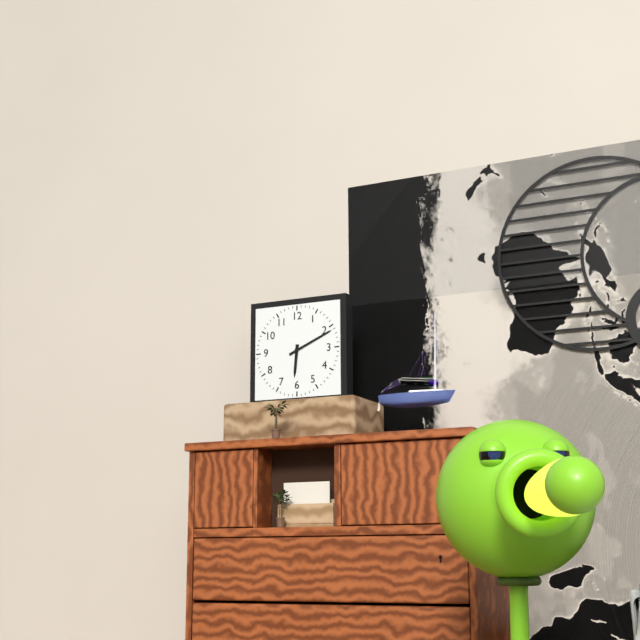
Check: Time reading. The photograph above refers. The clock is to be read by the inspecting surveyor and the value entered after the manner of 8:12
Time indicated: 6:11
